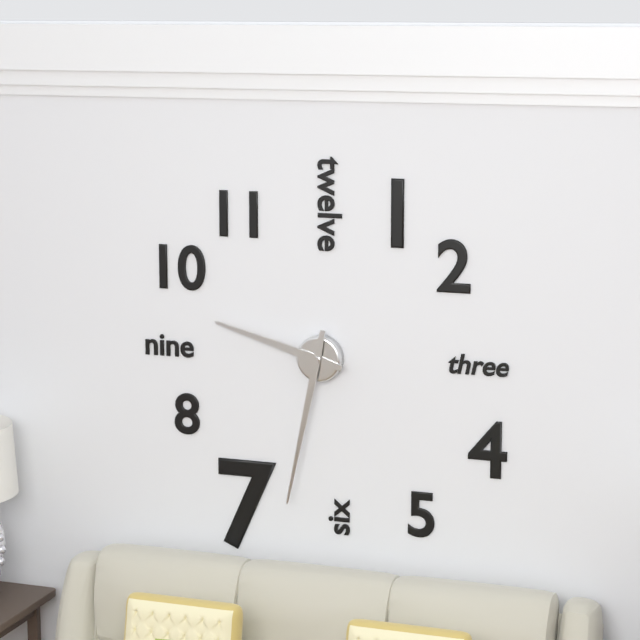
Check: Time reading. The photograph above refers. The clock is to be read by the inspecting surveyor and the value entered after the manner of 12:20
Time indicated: 9:32
